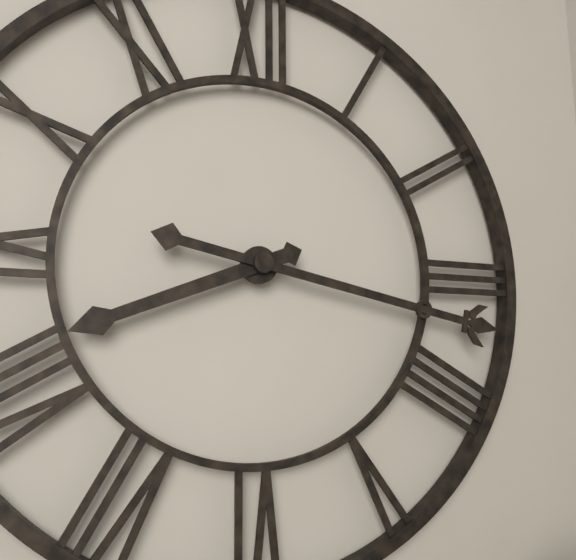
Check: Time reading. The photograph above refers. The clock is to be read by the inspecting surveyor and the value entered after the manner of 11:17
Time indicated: 8:17
